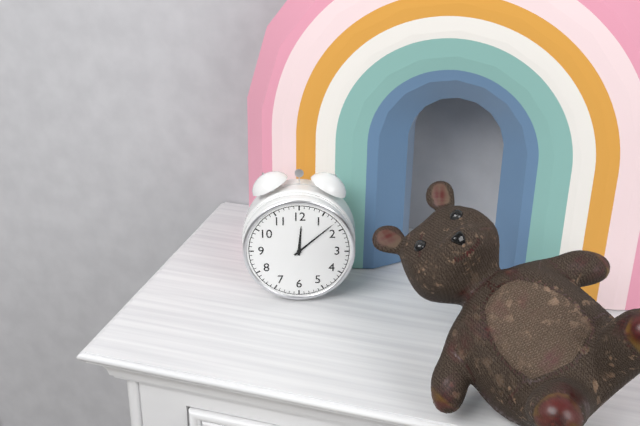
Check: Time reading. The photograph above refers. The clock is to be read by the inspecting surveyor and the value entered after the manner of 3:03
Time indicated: 12:08
